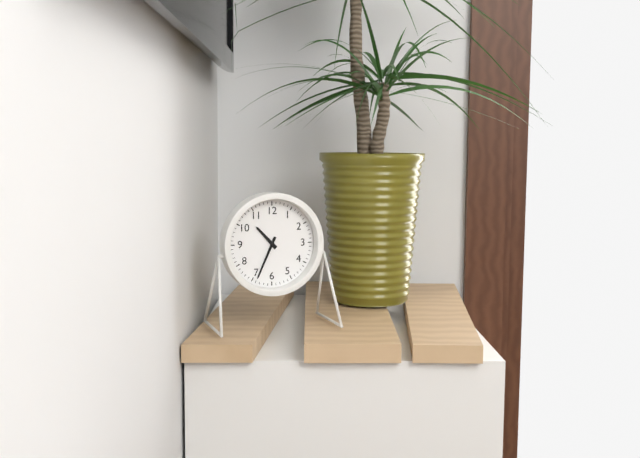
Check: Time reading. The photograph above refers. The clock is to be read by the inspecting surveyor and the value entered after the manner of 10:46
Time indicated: 10:34
